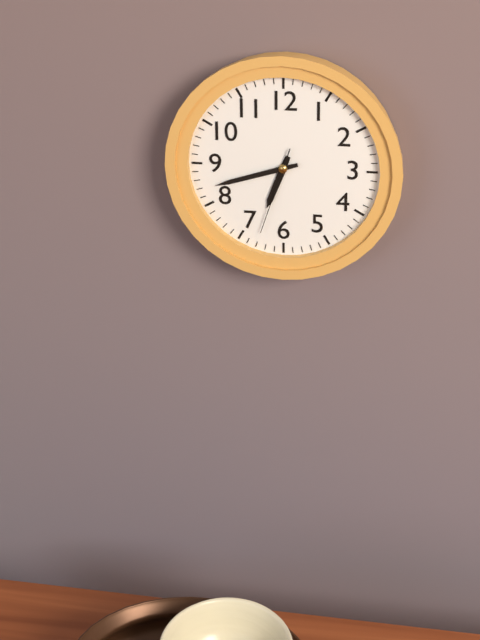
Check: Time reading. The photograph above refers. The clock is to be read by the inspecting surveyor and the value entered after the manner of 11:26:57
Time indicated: 6:42:33
